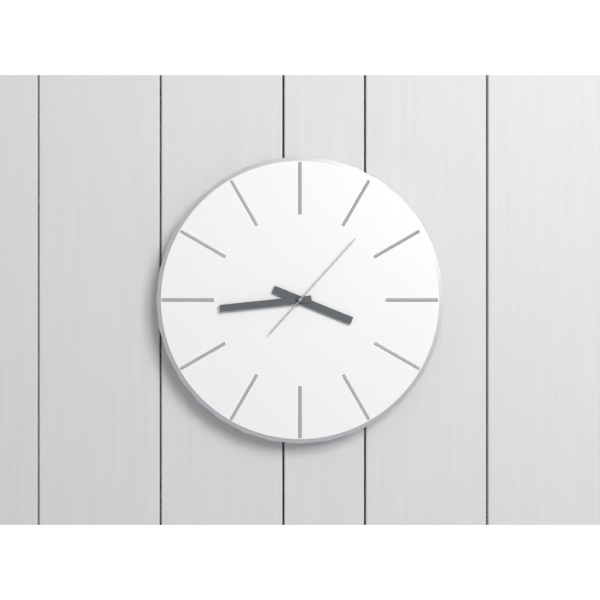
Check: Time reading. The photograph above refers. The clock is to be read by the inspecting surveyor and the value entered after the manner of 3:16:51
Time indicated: 3:44:07
